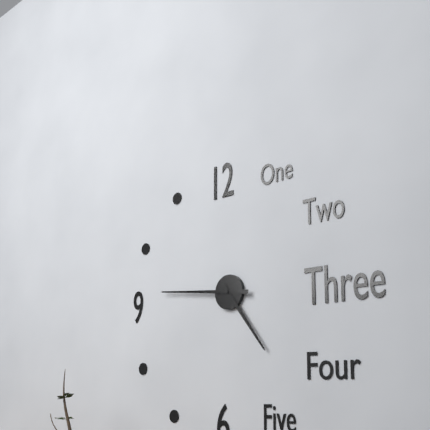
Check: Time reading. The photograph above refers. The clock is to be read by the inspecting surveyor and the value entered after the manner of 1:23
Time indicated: 4:46
